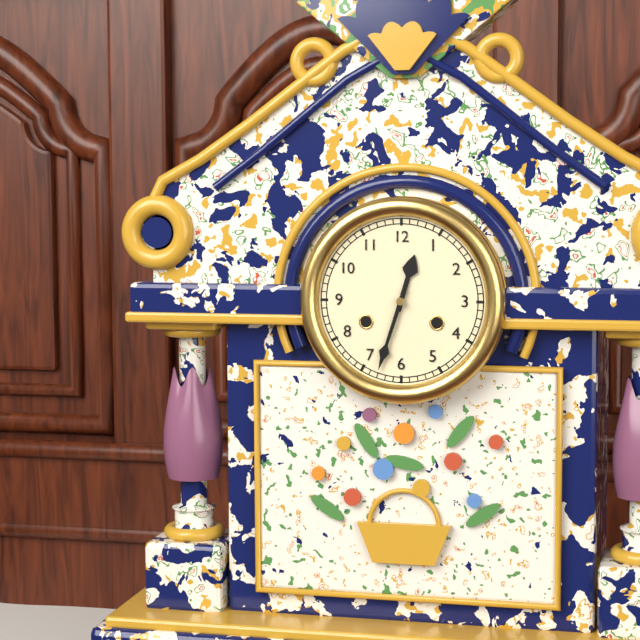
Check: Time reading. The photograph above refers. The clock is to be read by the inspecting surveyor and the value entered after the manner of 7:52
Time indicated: 12:33
